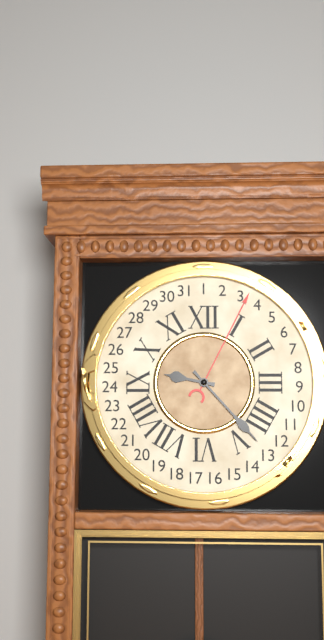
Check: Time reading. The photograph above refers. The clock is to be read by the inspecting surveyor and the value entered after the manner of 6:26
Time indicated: 9:23
